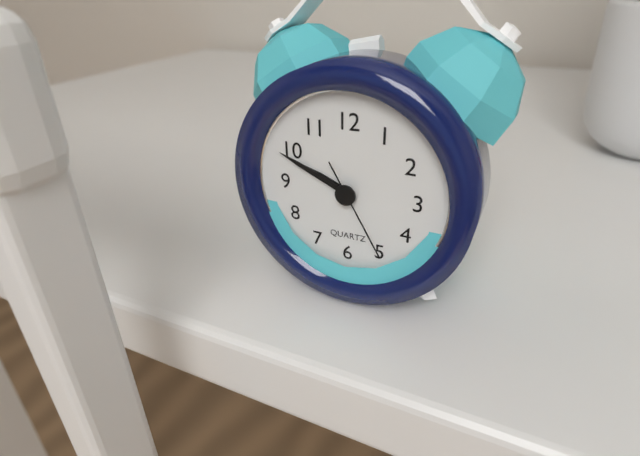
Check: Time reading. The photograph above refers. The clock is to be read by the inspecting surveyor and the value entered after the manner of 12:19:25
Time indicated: 9:49:25
